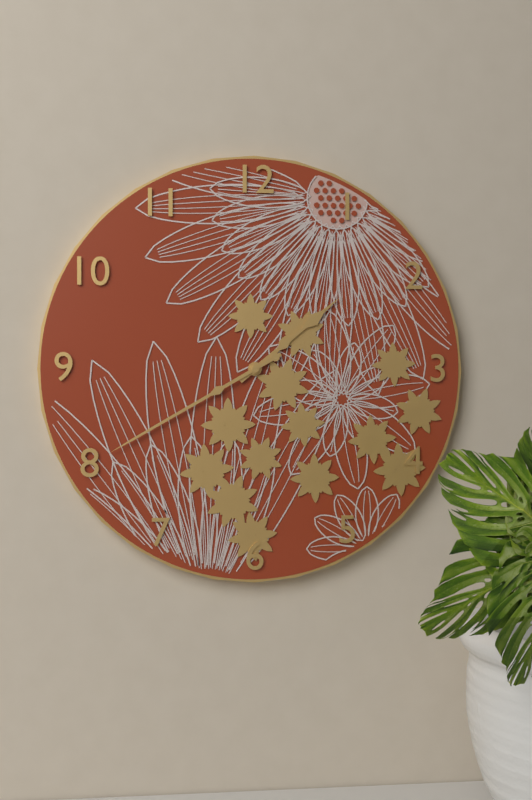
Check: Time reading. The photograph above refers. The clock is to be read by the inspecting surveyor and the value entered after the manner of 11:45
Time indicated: 1:40
